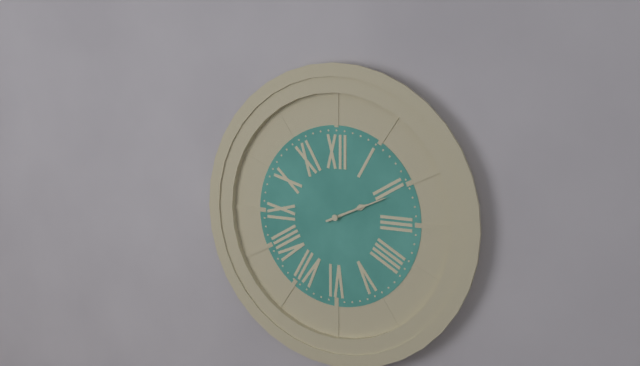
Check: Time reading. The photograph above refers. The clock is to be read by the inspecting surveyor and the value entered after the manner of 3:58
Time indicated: 2:11
